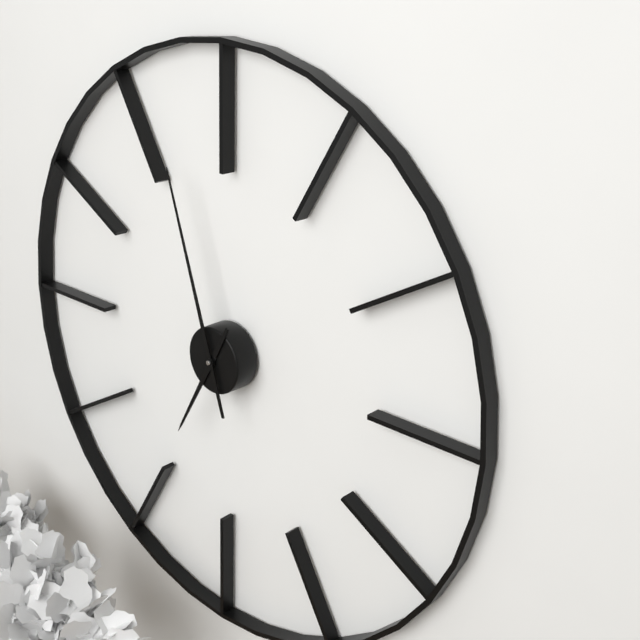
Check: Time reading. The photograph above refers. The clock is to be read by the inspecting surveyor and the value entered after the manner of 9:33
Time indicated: 6:57
